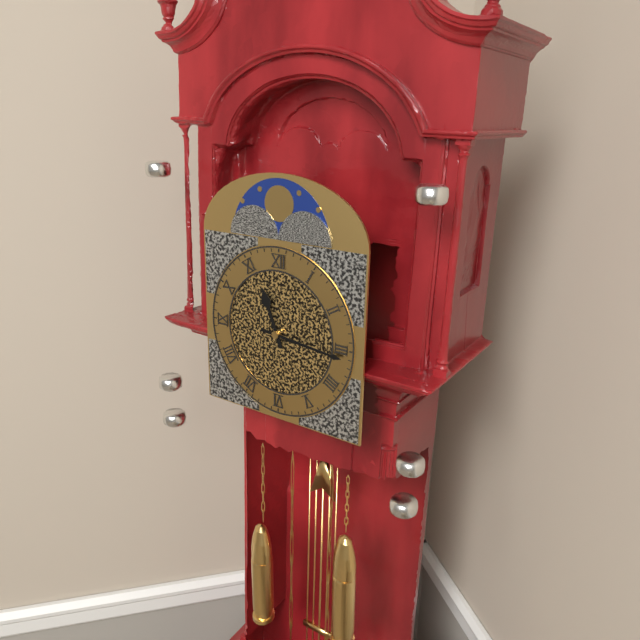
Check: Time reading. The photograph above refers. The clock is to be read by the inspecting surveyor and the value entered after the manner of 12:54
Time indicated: 11:16
